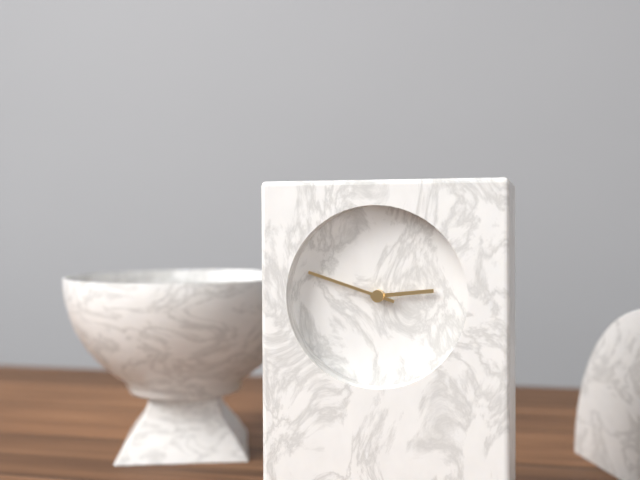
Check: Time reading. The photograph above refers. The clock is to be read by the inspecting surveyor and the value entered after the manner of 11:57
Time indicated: 2:48
